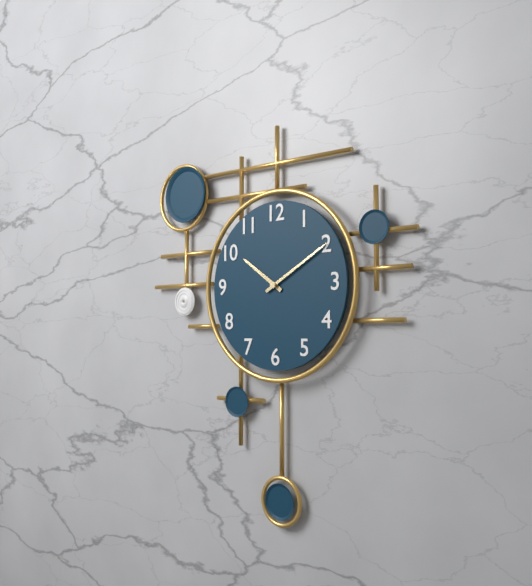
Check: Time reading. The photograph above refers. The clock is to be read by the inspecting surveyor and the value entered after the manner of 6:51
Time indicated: 10:10
